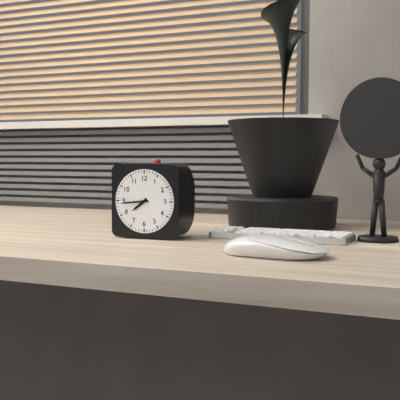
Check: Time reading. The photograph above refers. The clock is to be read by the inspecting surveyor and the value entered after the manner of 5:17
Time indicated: 7:44
